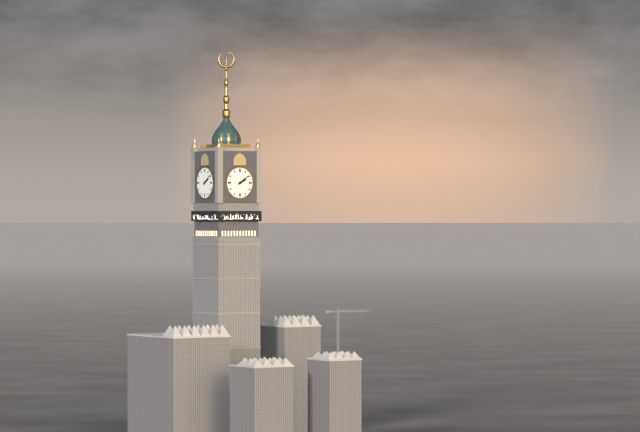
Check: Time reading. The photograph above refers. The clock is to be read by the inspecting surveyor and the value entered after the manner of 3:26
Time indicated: 2:09
